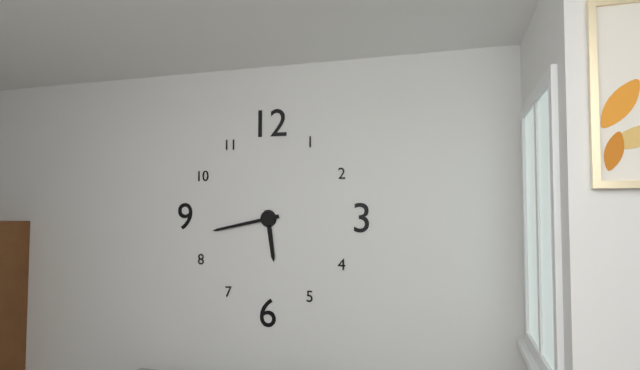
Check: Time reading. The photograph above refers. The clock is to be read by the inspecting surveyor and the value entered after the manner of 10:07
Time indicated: 5:43
